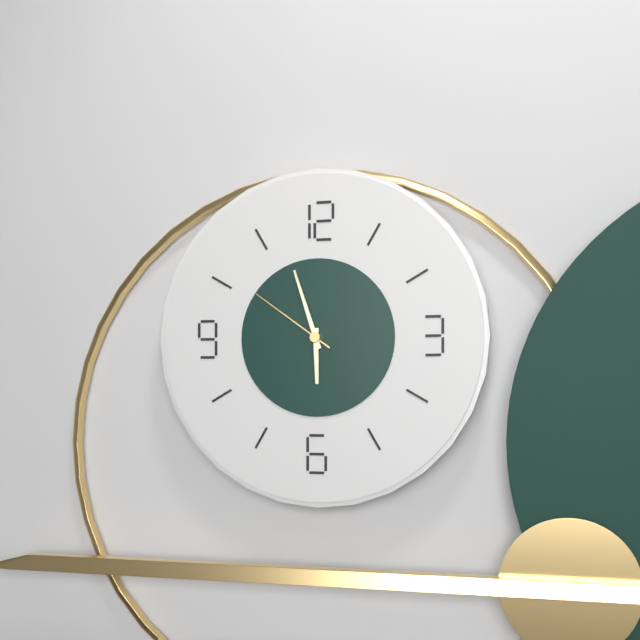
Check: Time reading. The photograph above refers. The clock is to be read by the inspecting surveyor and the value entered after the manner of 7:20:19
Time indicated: 5:57:51
